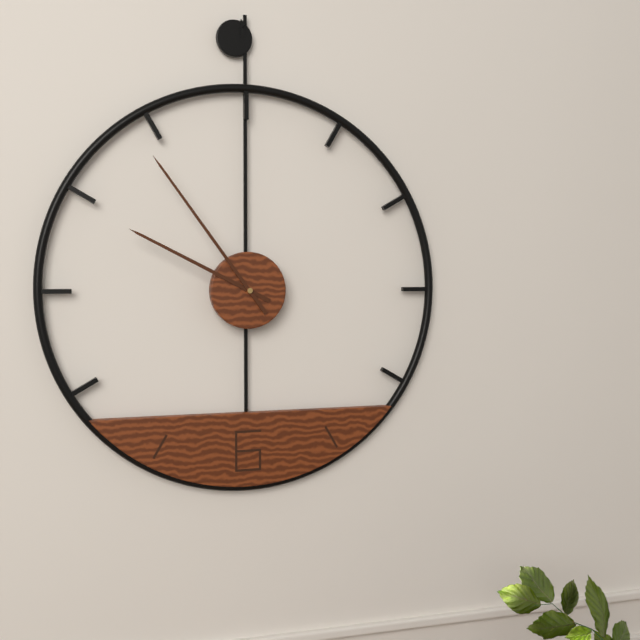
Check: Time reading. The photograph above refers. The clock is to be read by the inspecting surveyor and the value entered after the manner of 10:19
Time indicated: 9:54
